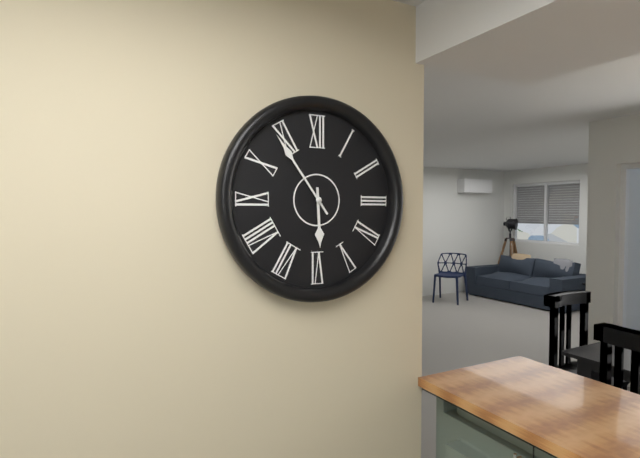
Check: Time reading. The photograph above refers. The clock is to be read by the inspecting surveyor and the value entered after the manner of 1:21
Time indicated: 5:54
